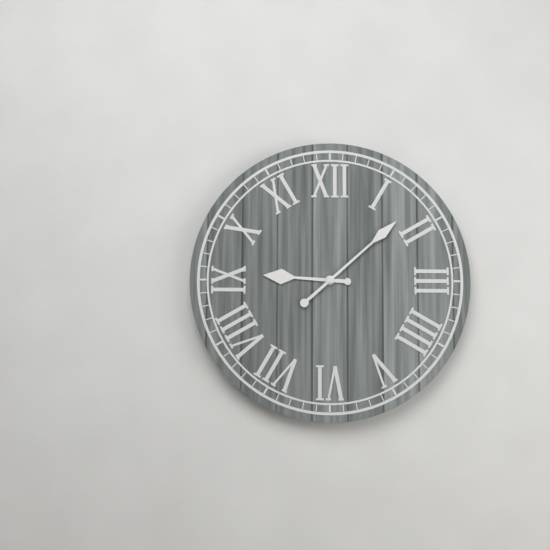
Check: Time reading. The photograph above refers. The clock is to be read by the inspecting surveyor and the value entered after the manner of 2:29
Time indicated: 9:08
